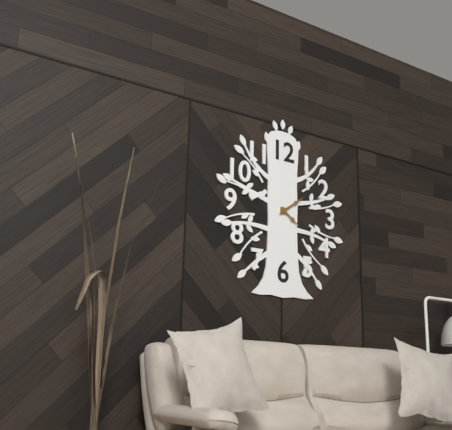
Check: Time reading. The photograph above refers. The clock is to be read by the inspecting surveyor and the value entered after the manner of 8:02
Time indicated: 4:09
